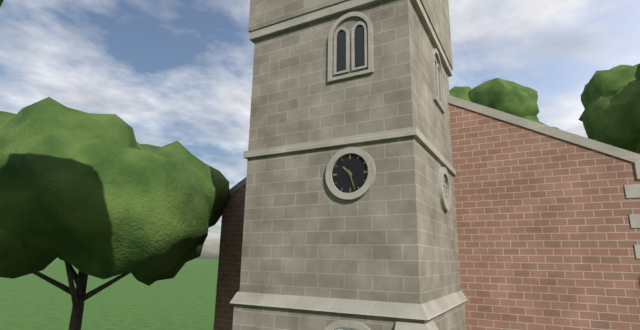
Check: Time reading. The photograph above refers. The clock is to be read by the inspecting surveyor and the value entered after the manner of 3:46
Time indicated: 10:27
